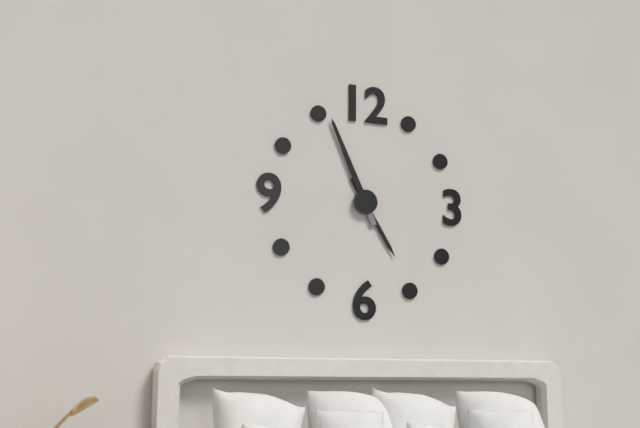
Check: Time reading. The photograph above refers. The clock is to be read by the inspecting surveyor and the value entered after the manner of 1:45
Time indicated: 4:56
